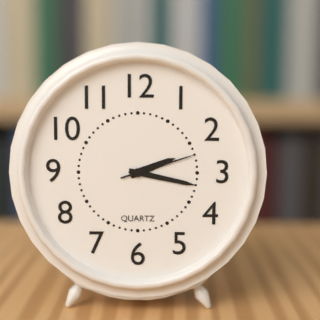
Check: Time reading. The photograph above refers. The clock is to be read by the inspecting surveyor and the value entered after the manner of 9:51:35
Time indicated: 2:17:12
